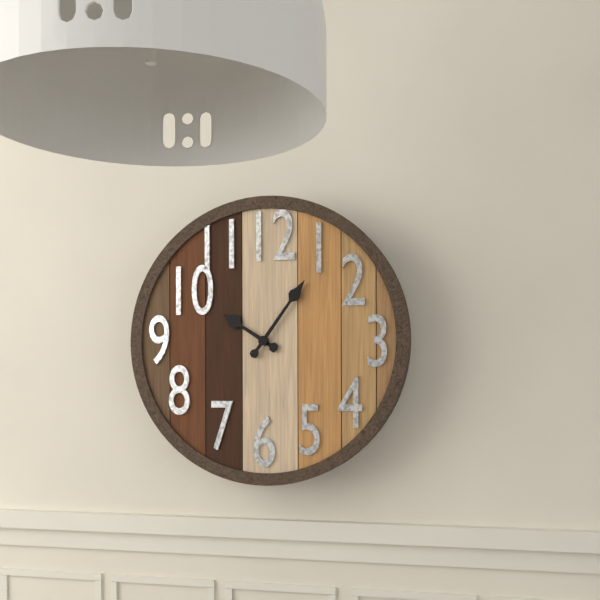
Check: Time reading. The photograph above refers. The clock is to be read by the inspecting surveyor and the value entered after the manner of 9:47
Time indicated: 10:06
